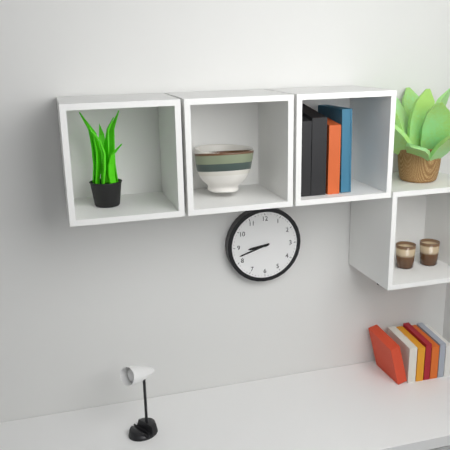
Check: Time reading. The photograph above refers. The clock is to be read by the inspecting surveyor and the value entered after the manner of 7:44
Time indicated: 8:42
